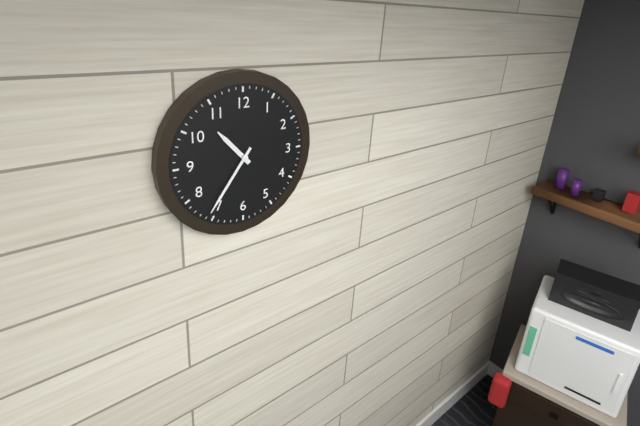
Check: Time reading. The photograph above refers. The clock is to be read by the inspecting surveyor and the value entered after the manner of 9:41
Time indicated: 10:36
